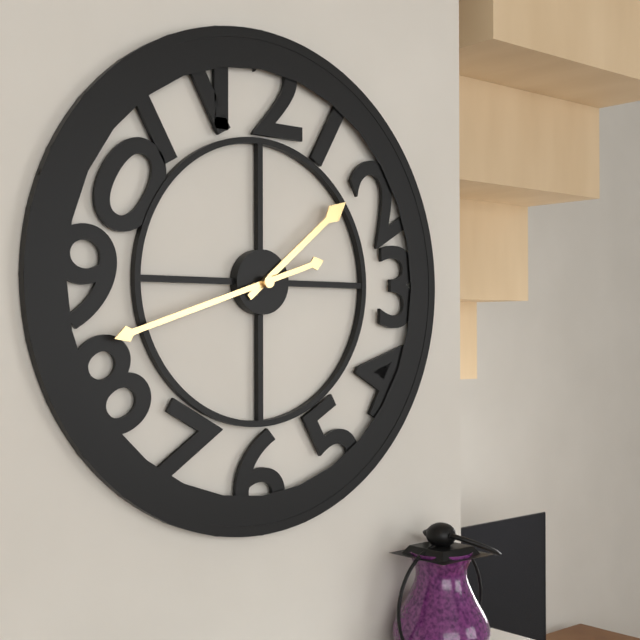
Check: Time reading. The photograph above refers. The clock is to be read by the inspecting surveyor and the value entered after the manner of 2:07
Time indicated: 1:42
